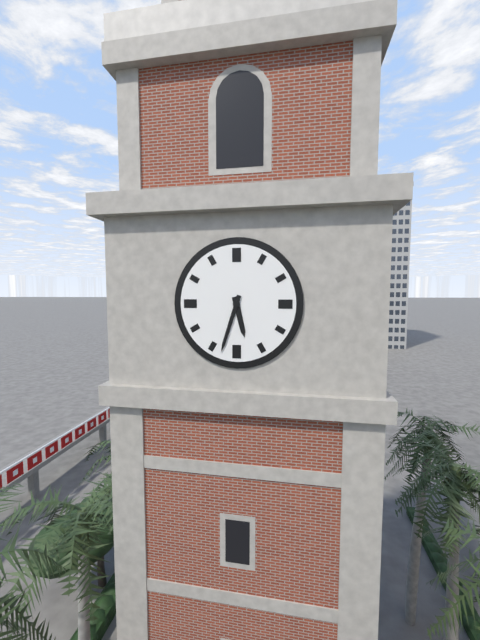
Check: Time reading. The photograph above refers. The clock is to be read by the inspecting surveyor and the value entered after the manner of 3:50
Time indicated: 5:33
